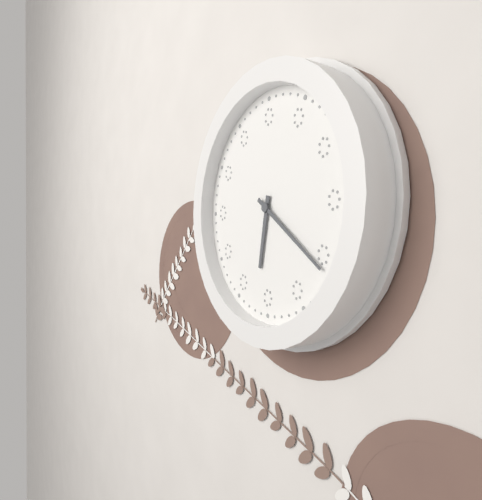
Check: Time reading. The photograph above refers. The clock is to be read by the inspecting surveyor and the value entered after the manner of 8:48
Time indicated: 6:21
